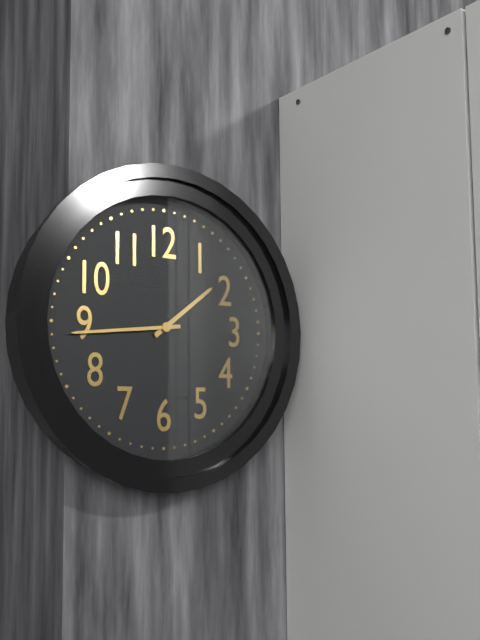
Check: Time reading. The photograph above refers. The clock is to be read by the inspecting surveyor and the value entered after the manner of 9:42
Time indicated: 1:44
